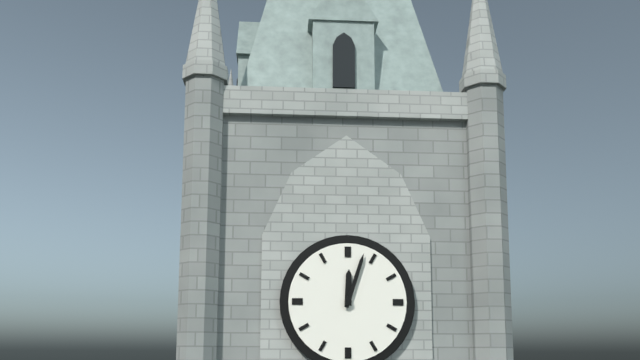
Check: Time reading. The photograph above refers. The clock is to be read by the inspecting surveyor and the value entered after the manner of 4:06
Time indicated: 12:03
